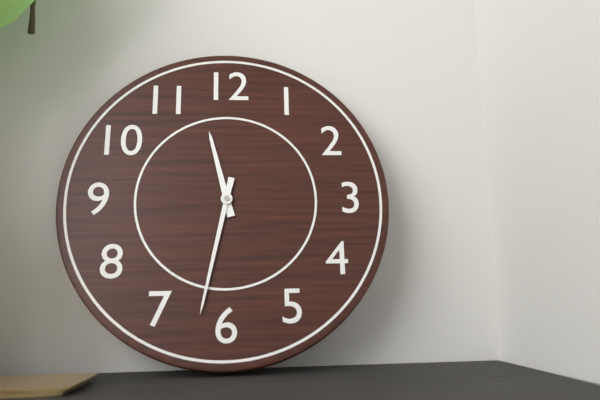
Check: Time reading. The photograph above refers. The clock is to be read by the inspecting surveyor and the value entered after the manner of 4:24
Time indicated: 11:32
